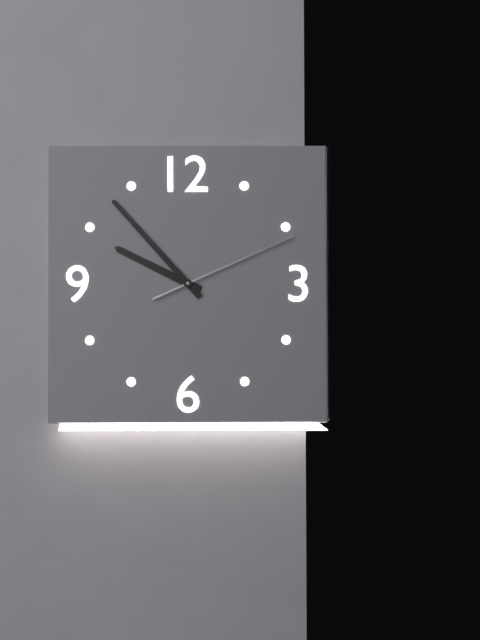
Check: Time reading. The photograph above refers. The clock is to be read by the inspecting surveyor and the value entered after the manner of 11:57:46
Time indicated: 9:53:11
